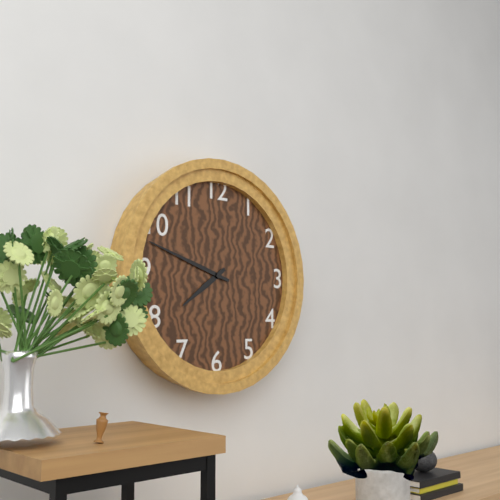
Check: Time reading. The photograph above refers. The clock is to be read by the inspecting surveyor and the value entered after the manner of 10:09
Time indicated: 7:48
